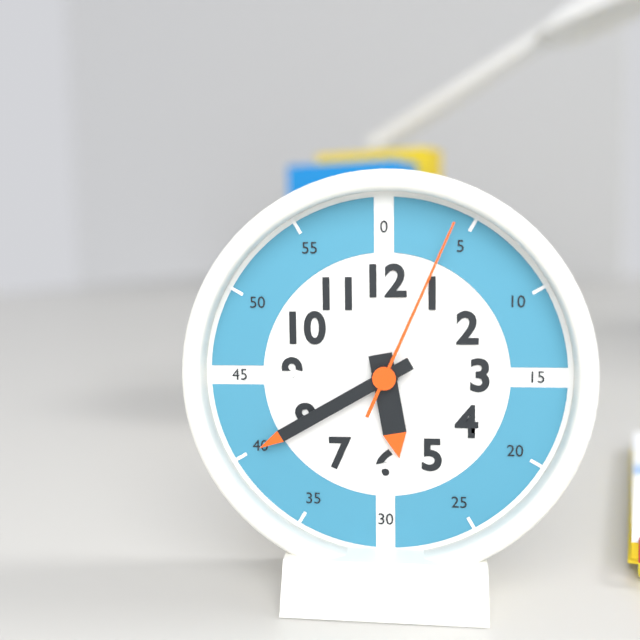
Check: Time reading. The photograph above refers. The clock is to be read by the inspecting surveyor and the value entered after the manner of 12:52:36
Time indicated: 5:40:04
